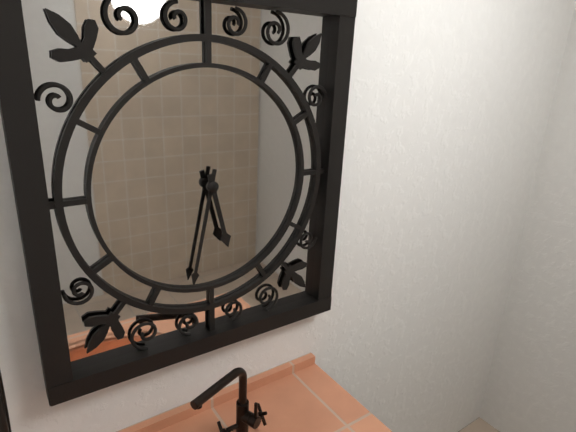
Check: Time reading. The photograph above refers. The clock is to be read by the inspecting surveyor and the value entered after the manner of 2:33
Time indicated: 5:32
